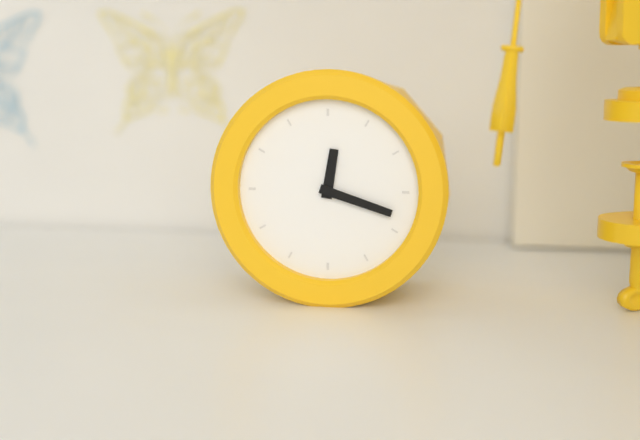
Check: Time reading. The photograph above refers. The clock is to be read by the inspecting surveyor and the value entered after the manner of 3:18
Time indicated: 12:18
